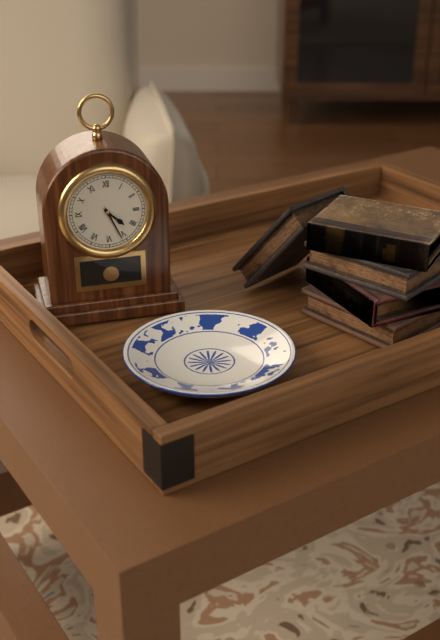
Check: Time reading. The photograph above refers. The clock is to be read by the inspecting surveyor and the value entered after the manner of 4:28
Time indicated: 4:26
